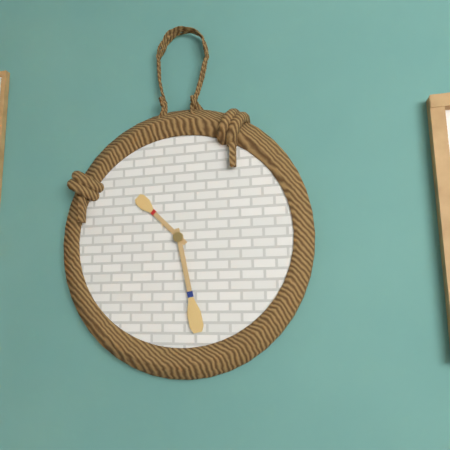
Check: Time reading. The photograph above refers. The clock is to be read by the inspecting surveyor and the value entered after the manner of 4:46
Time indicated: 10:28
